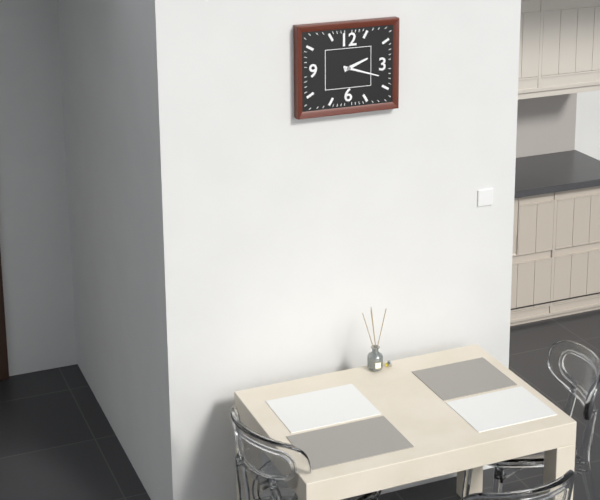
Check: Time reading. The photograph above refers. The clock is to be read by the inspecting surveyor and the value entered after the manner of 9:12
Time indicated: 2:18
